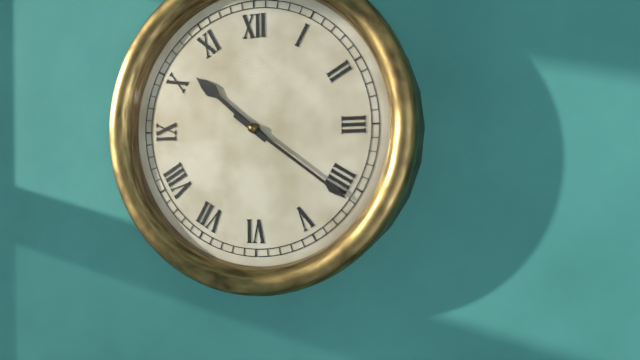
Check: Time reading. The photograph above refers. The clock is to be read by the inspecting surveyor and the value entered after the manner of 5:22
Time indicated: 10:21
